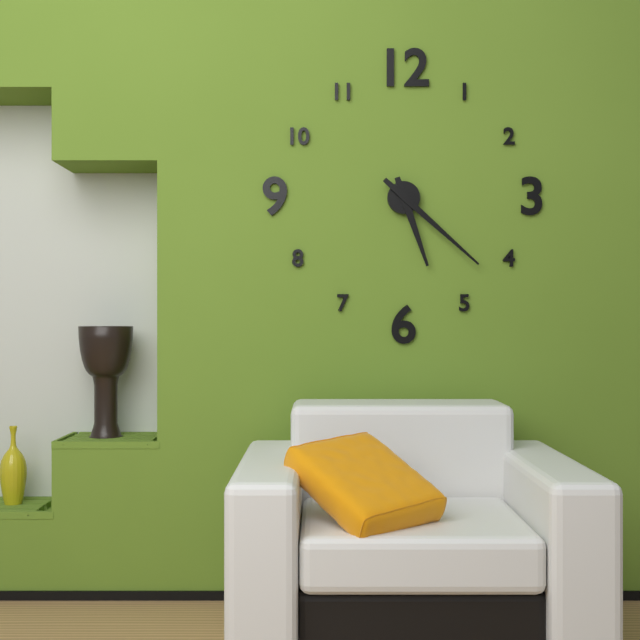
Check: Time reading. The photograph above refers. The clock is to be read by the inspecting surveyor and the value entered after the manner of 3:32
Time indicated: 5:22
